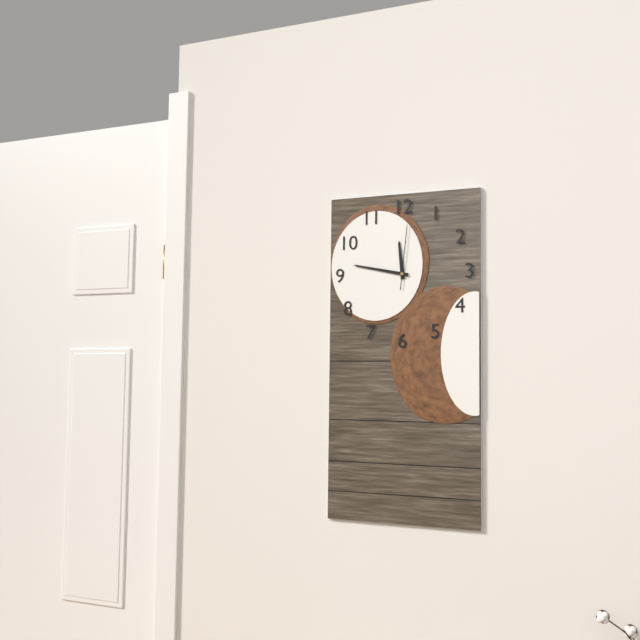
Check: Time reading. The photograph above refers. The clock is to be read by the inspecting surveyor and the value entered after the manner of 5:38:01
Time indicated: 11:47:01
